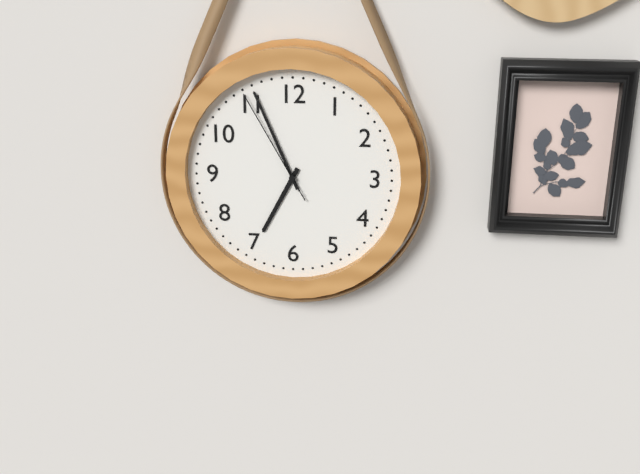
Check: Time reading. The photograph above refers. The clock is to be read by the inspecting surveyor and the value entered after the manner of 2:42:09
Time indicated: 6:56:55
